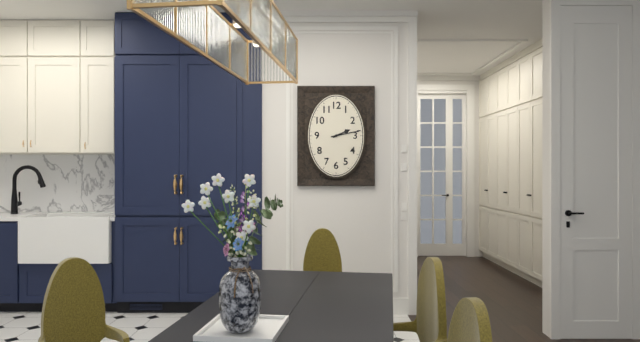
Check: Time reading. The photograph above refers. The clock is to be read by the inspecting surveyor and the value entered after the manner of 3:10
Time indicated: 2:13
